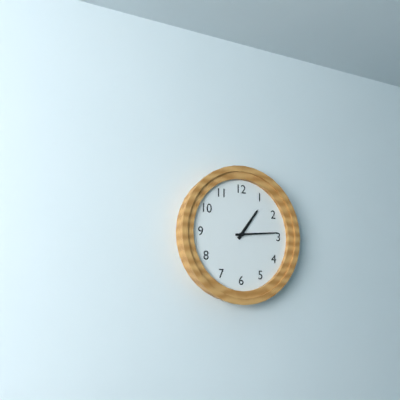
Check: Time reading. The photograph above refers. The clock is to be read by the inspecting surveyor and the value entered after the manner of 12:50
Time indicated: 1:14
